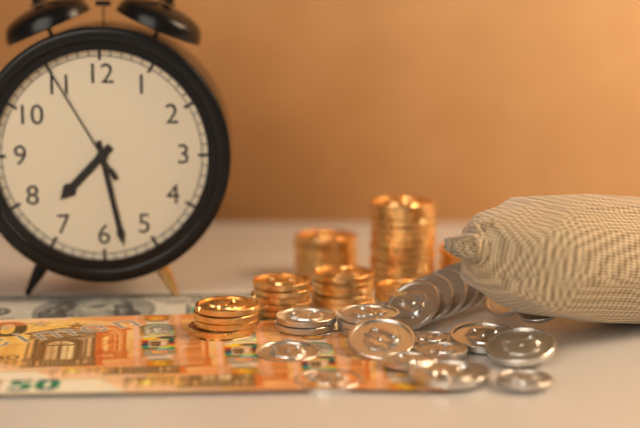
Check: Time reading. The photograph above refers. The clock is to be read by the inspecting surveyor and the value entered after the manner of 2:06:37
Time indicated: 7:28:55
